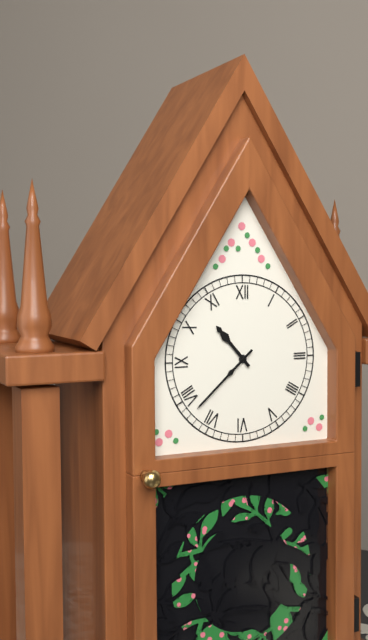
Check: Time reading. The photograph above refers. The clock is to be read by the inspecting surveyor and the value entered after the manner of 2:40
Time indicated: 10:38
